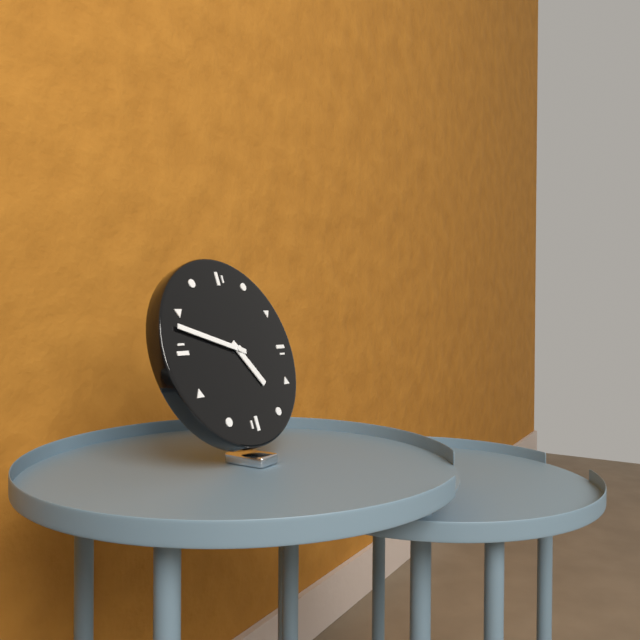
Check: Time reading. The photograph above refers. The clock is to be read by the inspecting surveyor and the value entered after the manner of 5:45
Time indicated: 4:48
